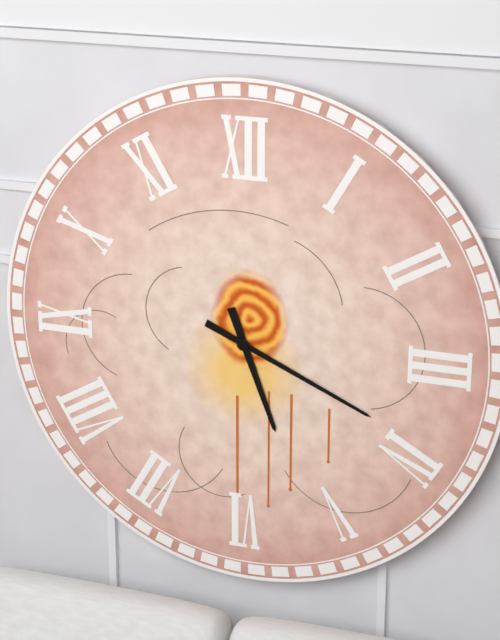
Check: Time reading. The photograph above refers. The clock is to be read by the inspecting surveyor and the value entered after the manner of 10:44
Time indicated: 5:19
